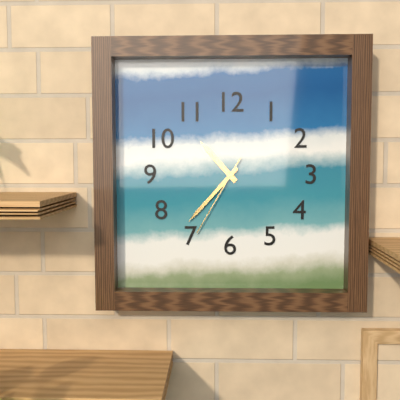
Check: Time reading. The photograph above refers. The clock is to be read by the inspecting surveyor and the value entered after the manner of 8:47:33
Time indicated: 10:37:35
